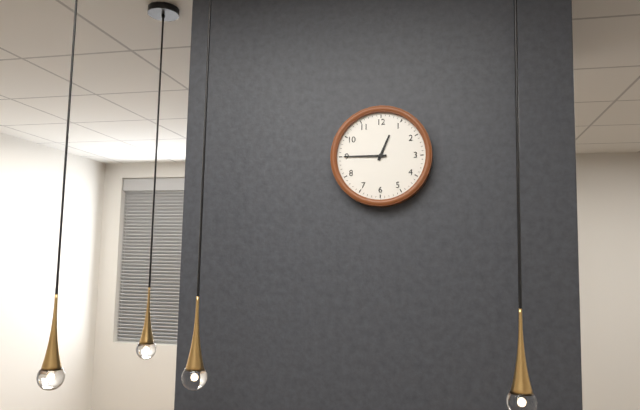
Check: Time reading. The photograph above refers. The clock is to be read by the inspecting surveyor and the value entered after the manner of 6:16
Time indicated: 12:45
